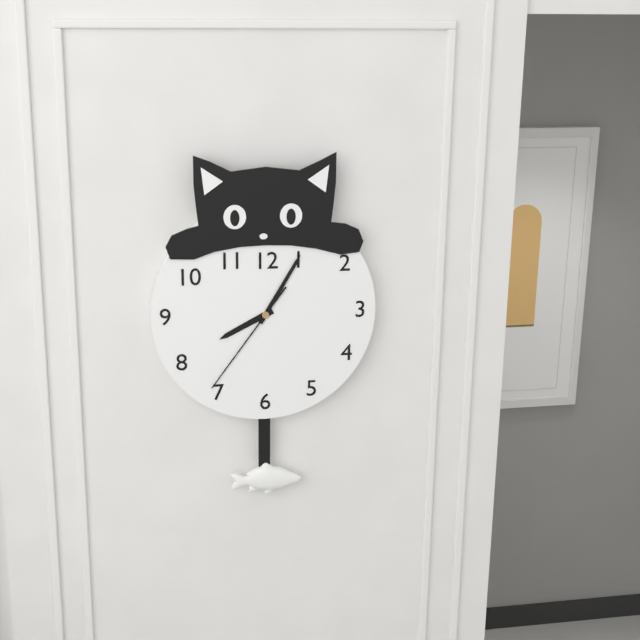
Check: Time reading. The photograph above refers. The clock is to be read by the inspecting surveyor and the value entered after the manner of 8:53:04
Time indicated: 8:05:36
